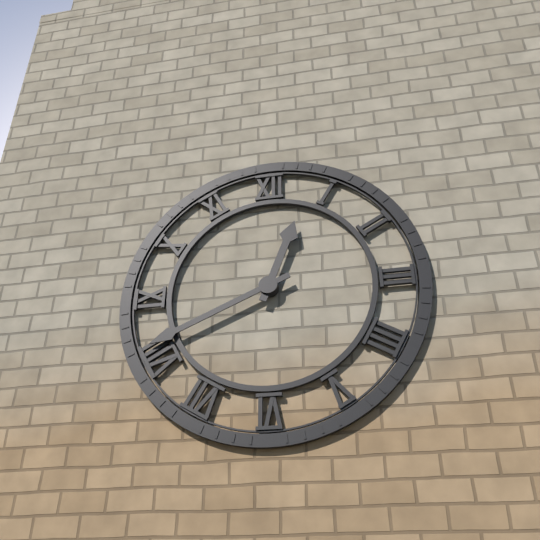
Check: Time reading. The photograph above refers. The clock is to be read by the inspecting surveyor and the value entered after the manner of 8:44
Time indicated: 12:41
